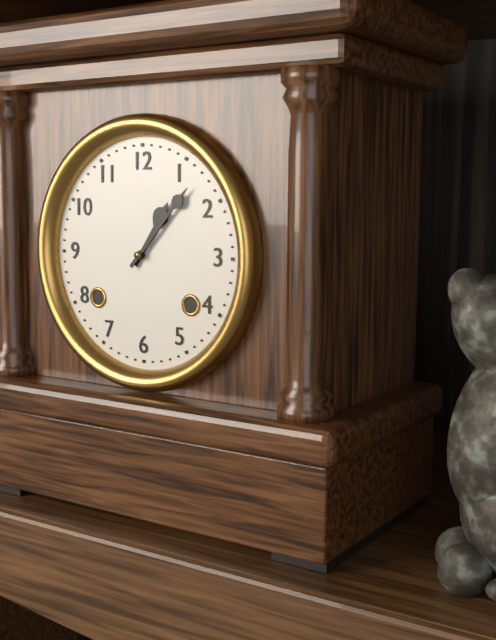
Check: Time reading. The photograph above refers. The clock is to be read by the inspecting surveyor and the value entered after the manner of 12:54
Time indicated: 1:07
